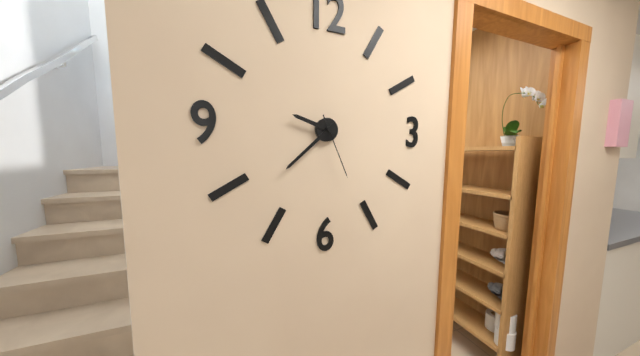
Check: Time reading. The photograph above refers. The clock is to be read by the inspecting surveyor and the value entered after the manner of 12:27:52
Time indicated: 9:38:26
